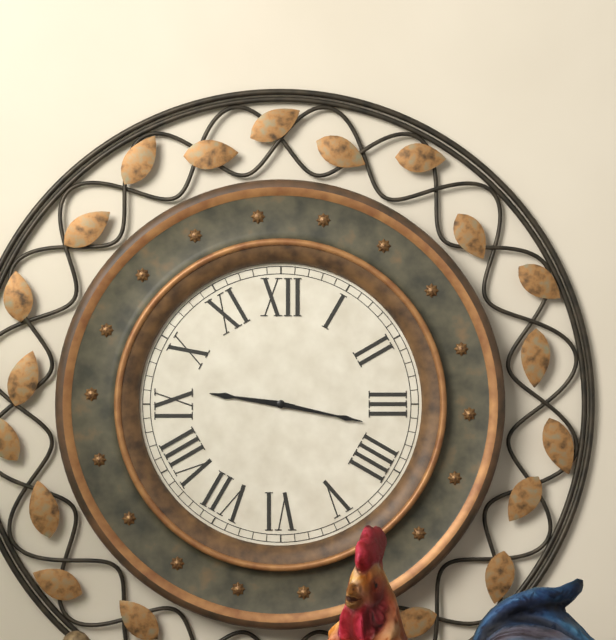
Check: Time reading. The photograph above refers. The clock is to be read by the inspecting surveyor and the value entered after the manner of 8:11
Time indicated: 9:17
